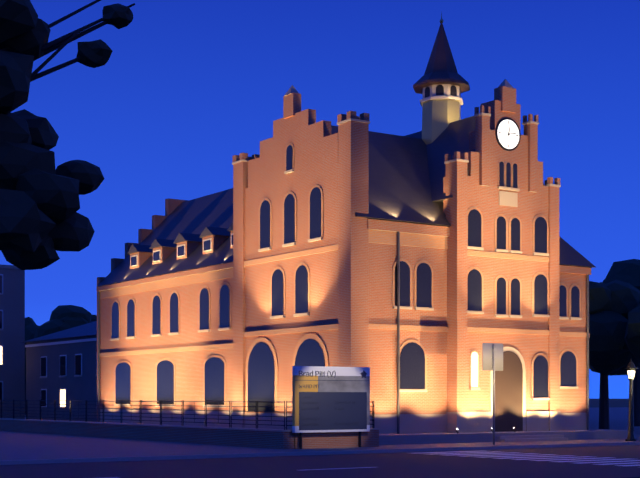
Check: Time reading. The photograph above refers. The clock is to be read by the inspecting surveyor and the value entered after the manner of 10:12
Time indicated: 12:13
